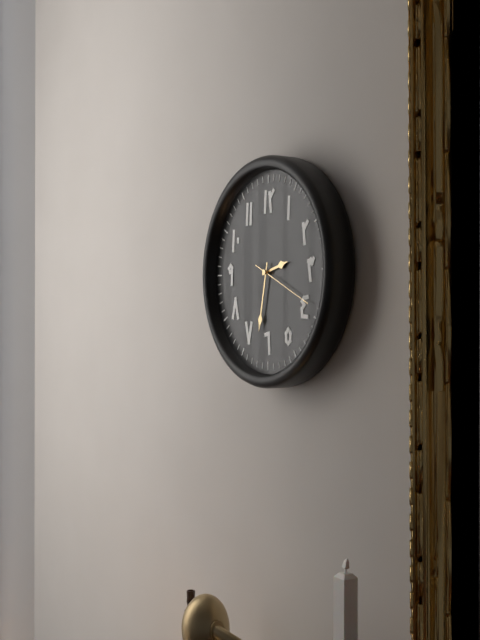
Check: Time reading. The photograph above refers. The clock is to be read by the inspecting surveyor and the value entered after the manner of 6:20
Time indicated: 2:32
